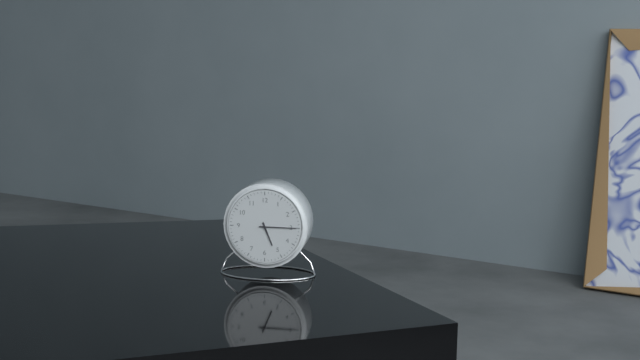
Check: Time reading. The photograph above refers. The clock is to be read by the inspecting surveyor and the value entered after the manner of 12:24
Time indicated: 5:15
